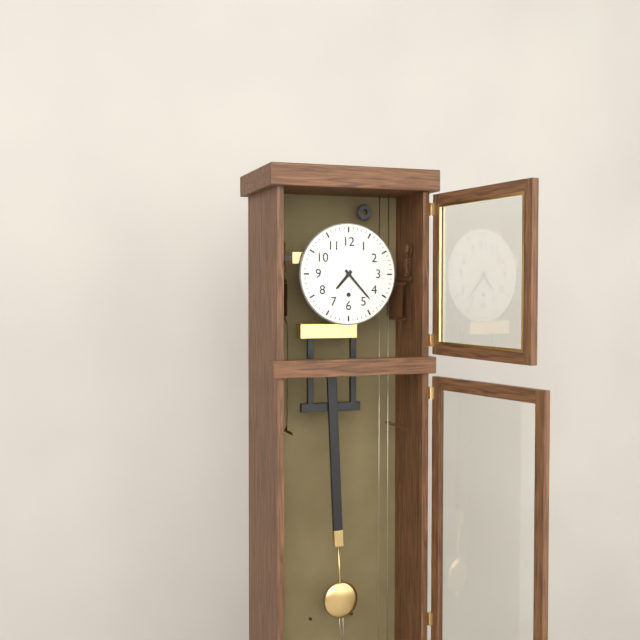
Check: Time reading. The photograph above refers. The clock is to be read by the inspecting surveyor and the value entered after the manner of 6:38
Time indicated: 7:23
